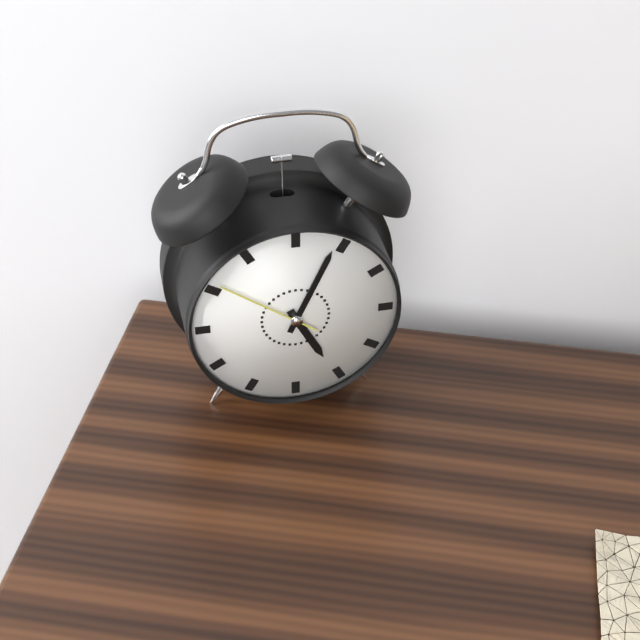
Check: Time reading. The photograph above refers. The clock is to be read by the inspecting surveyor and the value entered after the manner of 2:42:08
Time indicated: 5:04:51
